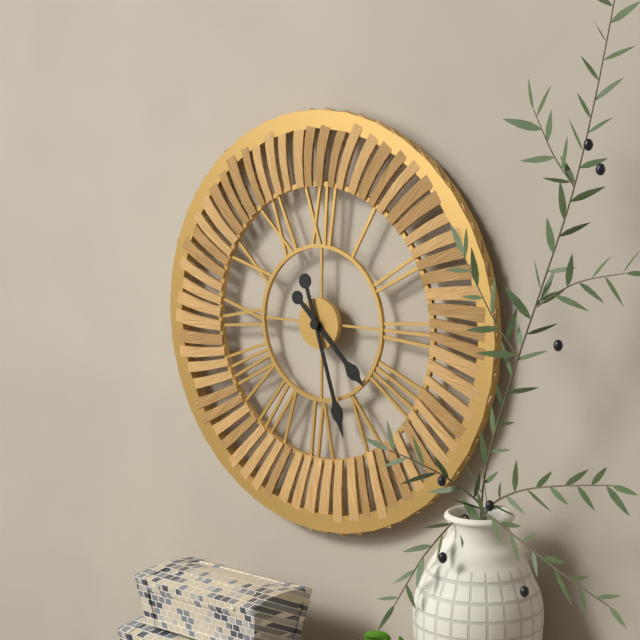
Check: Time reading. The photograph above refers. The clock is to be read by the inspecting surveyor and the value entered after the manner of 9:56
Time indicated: 4:27
